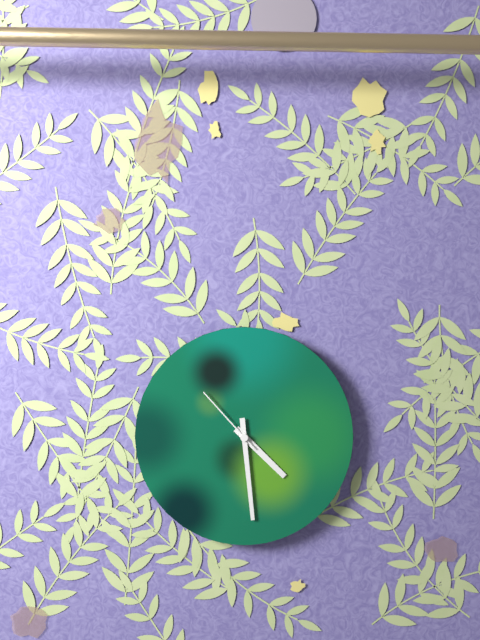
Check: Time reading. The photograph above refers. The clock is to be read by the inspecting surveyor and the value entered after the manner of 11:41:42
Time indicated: 4:29:53
